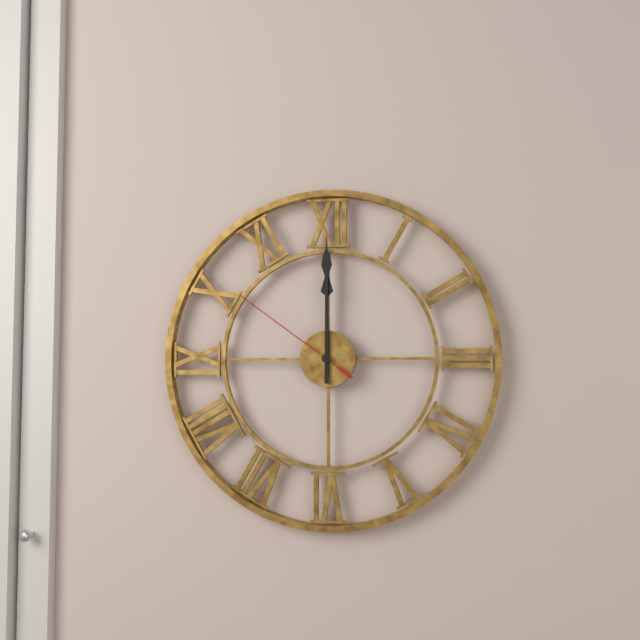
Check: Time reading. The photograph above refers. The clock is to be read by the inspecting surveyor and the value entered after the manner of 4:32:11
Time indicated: 12:00:51
